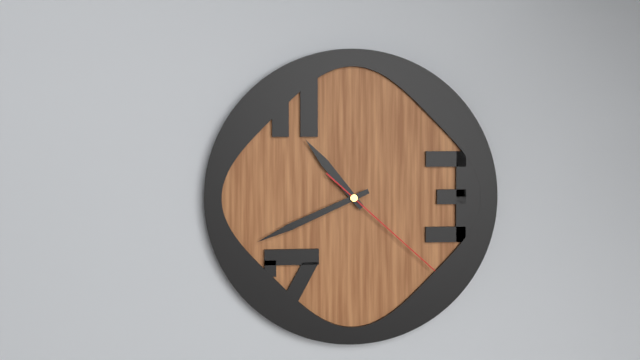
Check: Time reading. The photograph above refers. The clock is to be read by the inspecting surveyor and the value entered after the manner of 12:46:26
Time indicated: 10:41:22
